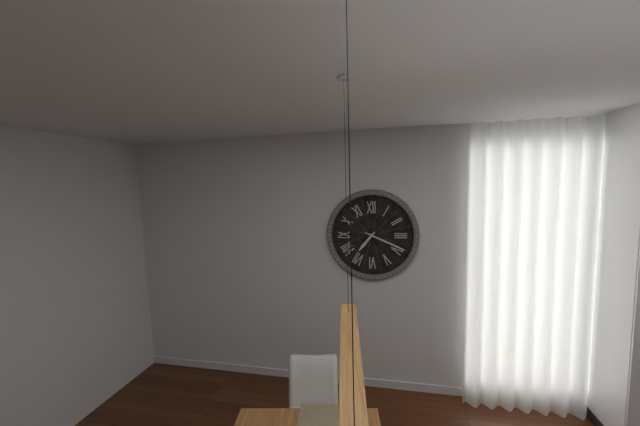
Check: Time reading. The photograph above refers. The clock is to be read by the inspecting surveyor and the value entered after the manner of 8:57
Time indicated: 7:19
